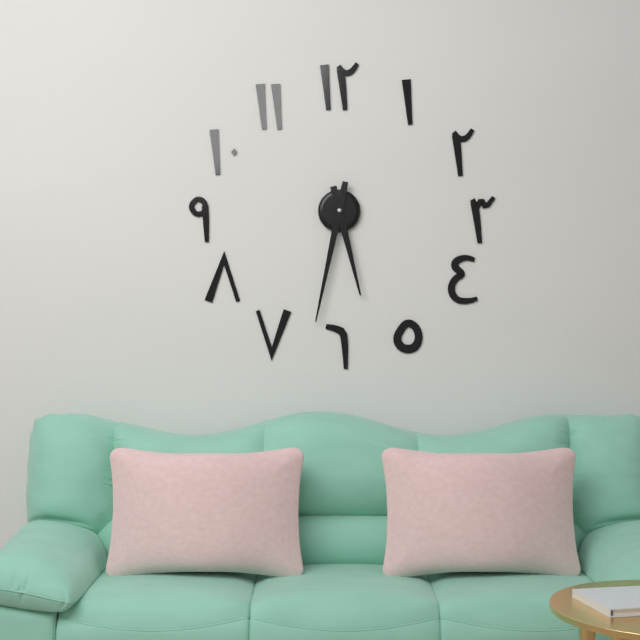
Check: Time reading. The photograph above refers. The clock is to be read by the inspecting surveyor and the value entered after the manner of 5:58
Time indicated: 5:32
